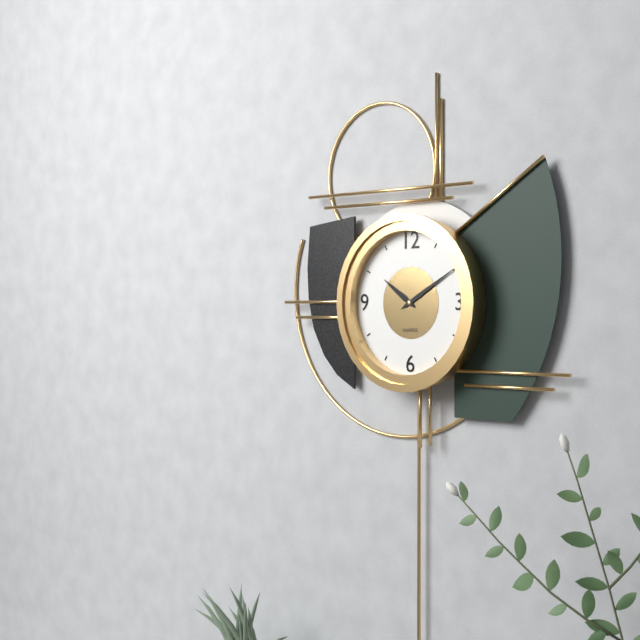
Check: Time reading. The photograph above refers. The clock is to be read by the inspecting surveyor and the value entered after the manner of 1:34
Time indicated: 10:10
